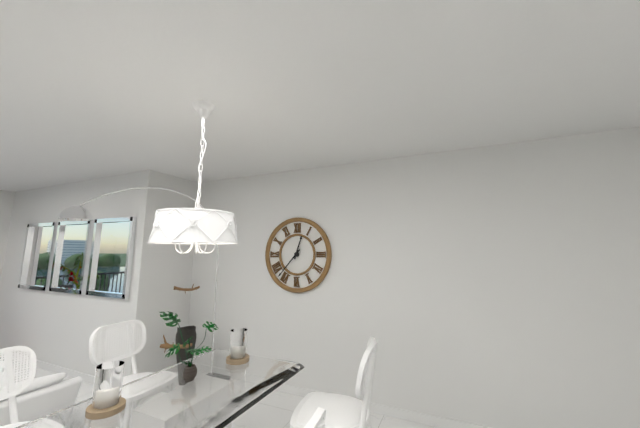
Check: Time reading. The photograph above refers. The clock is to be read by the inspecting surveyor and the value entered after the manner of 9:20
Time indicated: 12:37
